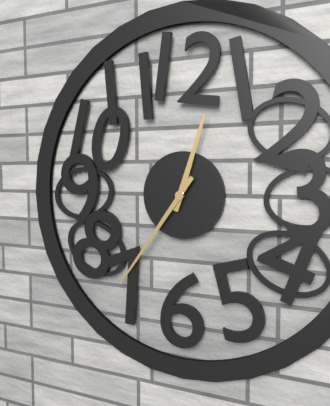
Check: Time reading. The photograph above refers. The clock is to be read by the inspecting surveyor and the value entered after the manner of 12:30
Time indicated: 12:36
